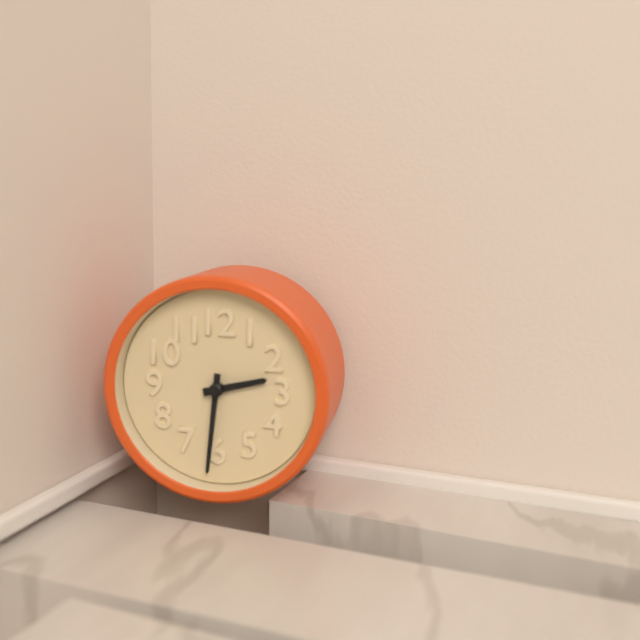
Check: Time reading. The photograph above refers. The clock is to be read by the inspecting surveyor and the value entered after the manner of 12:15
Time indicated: 2:31
